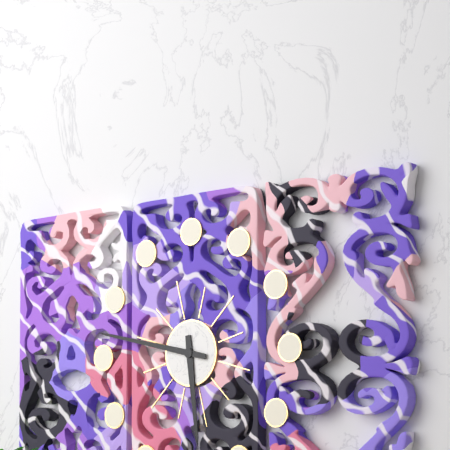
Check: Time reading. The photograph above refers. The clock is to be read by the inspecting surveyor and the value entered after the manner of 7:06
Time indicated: 5:47
